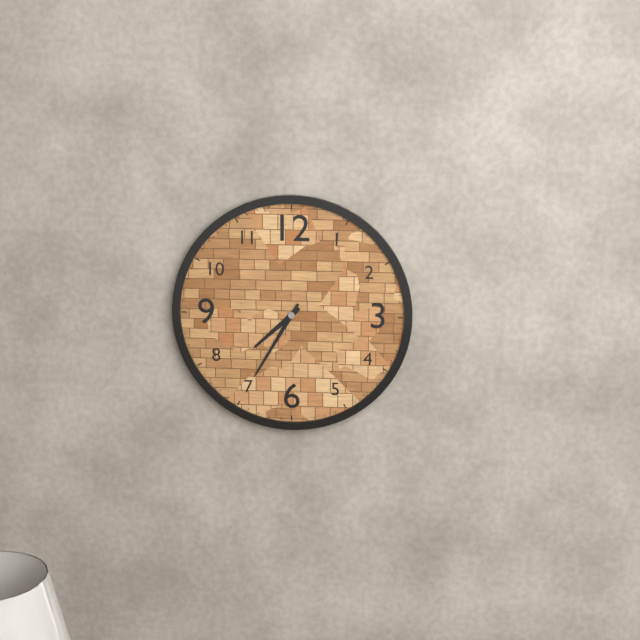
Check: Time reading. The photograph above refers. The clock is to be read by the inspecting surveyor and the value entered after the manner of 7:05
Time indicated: 7:35
